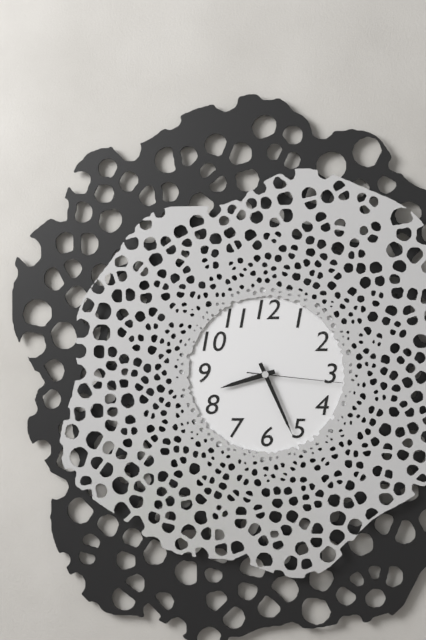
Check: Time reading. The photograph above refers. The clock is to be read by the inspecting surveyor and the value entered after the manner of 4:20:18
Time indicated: 8:26:16
